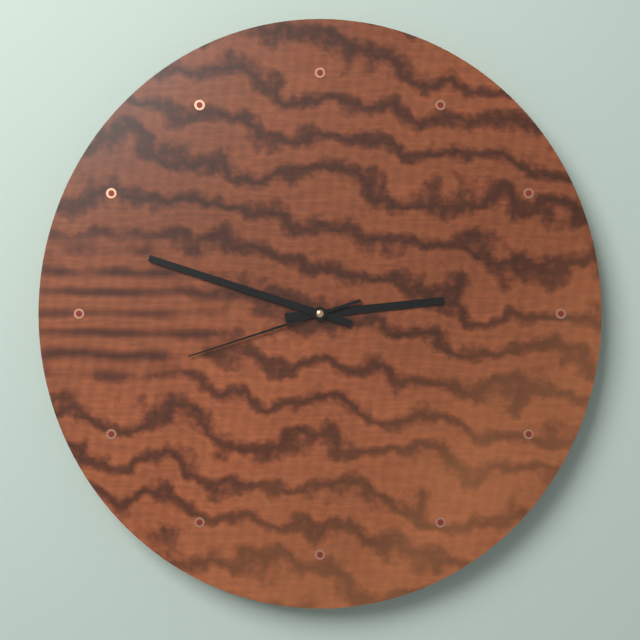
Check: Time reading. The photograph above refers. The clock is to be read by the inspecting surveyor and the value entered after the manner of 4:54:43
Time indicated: 2:48:42
